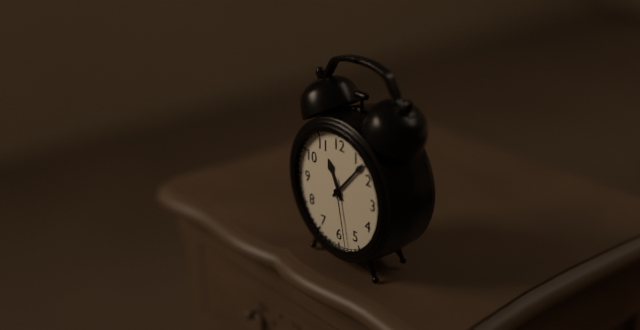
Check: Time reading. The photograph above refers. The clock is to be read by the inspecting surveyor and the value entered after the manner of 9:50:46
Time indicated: 11:07:28
